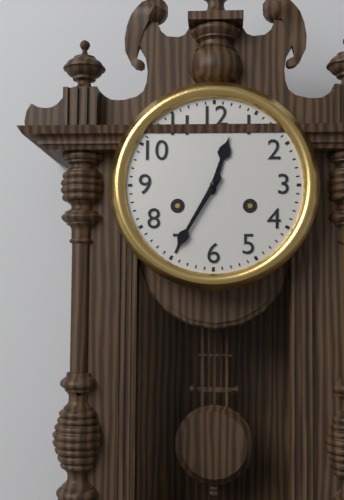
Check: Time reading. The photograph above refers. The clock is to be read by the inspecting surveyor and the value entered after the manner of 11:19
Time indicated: 12:35
